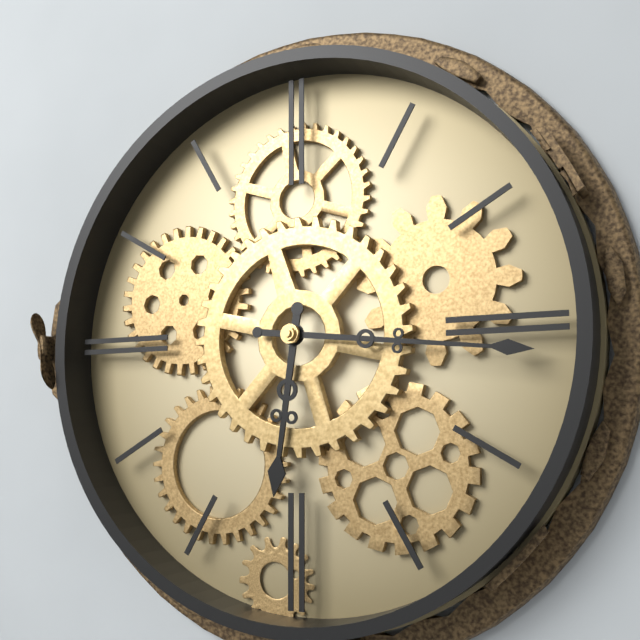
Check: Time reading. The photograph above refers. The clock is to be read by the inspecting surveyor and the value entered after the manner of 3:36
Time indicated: 6:16
